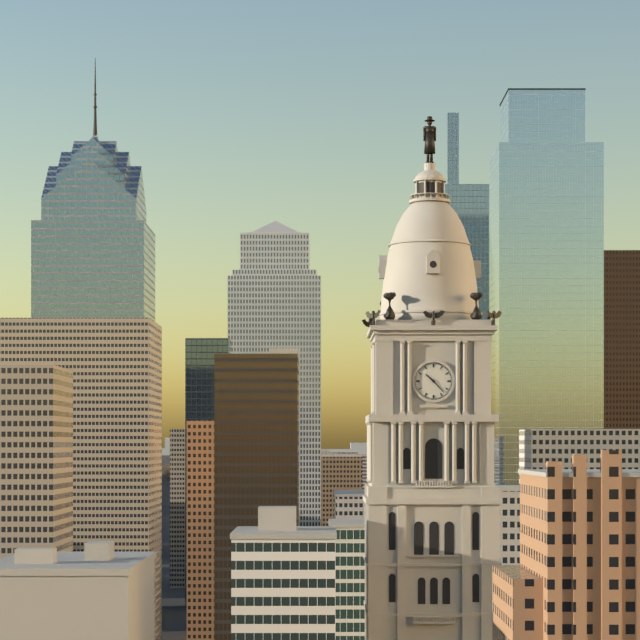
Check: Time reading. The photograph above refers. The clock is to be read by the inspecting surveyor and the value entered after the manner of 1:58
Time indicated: 10:23
